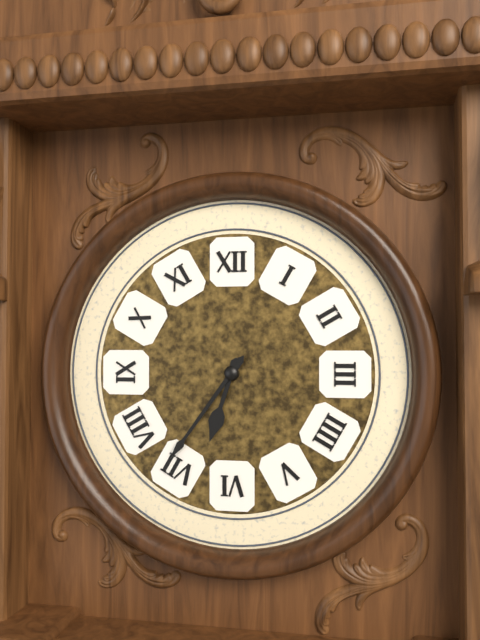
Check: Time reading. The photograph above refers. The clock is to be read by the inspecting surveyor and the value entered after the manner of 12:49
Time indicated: 6:36
